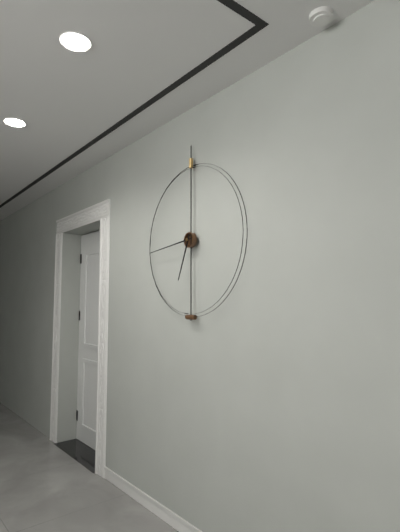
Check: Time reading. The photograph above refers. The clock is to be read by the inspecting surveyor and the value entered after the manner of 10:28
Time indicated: 6:44
